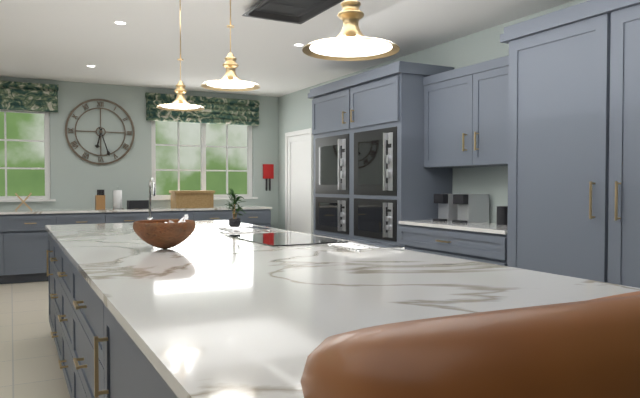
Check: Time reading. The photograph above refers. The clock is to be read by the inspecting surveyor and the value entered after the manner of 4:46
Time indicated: 6:27
